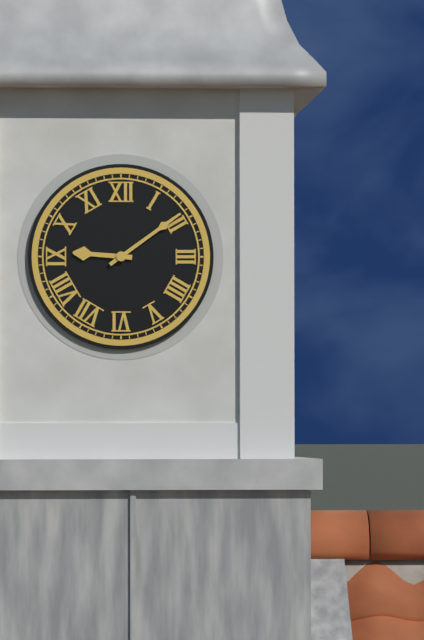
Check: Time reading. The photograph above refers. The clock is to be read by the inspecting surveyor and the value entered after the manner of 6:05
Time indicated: 9:09
